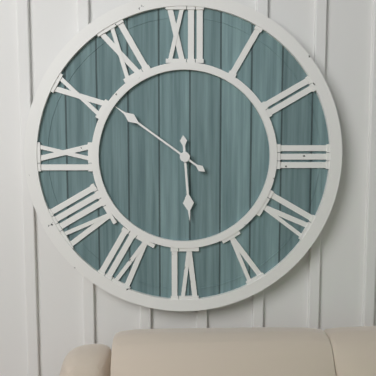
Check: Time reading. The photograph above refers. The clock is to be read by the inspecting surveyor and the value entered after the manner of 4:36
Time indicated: 5:51
